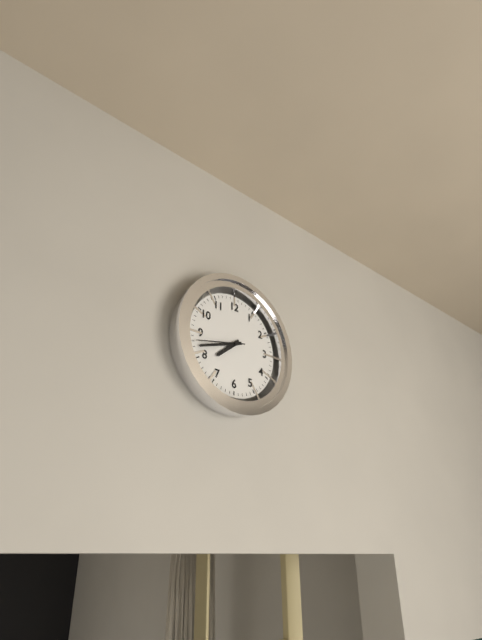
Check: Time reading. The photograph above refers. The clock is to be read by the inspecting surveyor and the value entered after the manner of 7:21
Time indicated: 7:42
